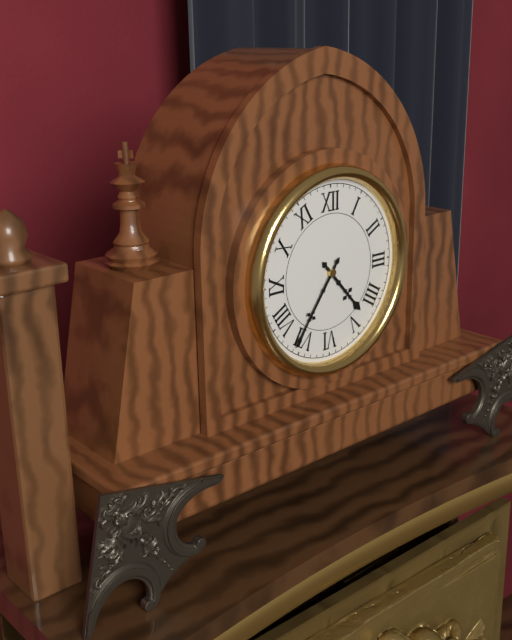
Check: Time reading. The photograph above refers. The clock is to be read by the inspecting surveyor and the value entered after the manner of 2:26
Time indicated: 4:36
